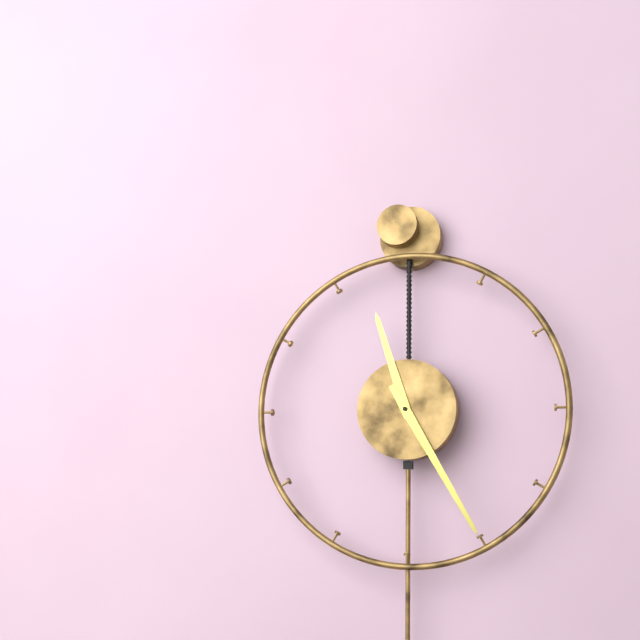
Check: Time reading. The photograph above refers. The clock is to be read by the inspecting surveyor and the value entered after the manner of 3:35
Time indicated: 11:25
